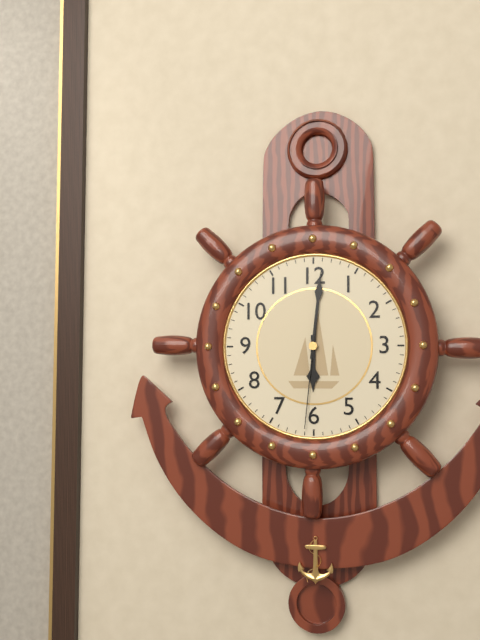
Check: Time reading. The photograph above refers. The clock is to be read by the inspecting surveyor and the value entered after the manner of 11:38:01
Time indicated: 6:01:31
